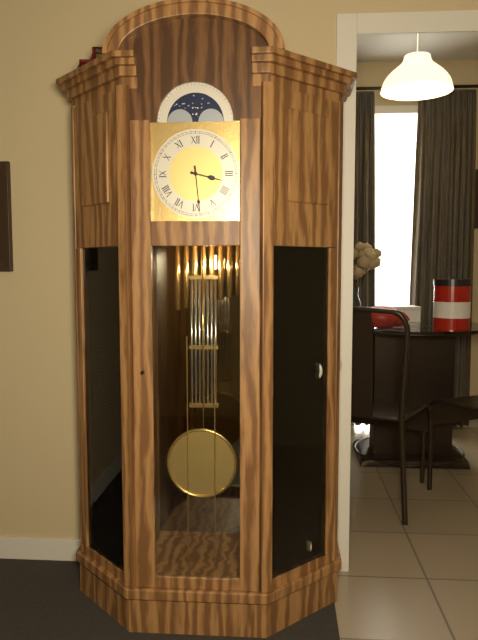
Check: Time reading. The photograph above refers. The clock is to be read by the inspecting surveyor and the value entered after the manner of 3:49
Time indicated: 3:29
